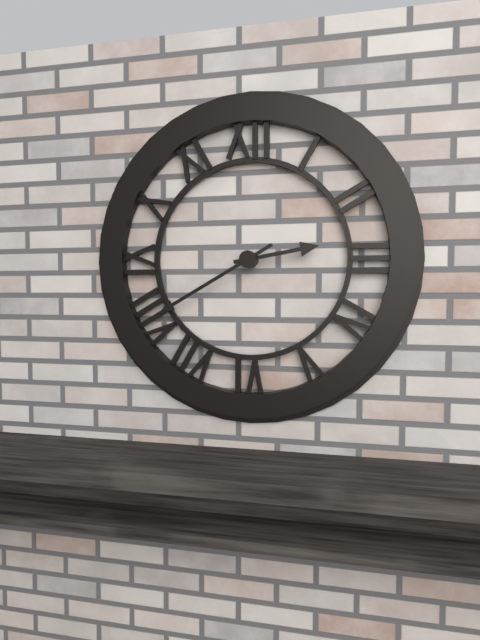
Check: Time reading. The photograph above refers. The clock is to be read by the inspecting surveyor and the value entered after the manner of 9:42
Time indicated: 2:40
